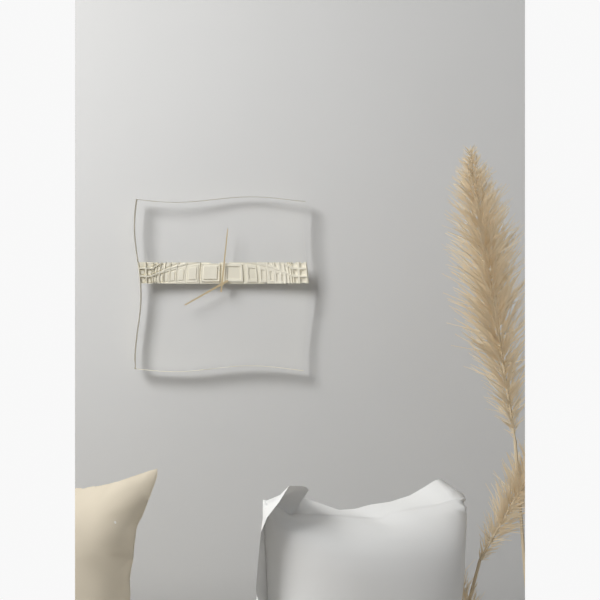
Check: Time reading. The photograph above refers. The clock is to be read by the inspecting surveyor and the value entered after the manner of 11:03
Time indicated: 8:01
